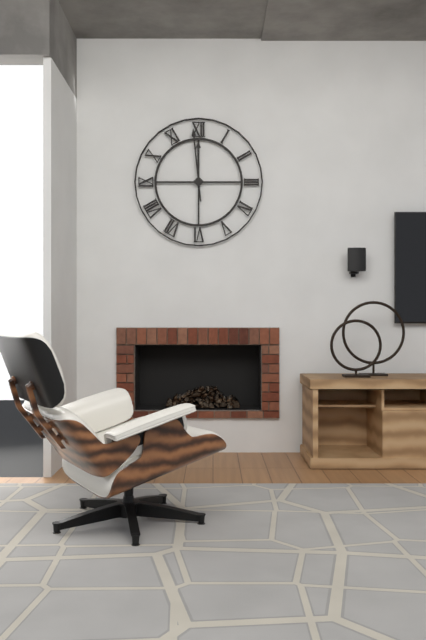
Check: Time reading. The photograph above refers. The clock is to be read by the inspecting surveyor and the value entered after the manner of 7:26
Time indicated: 11:59
